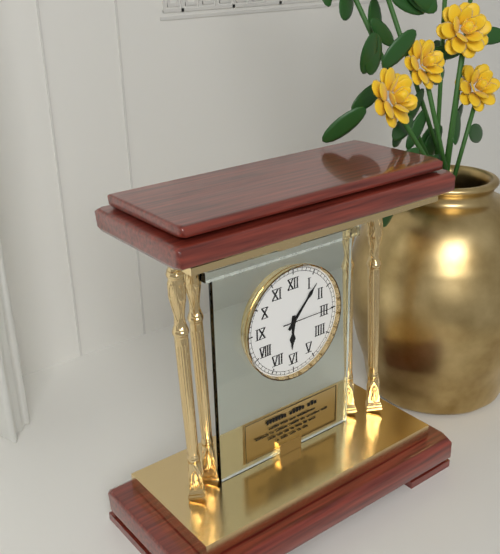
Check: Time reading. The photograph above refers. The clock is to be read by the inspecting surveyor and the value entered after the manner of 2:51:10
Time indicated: 6:07:15
